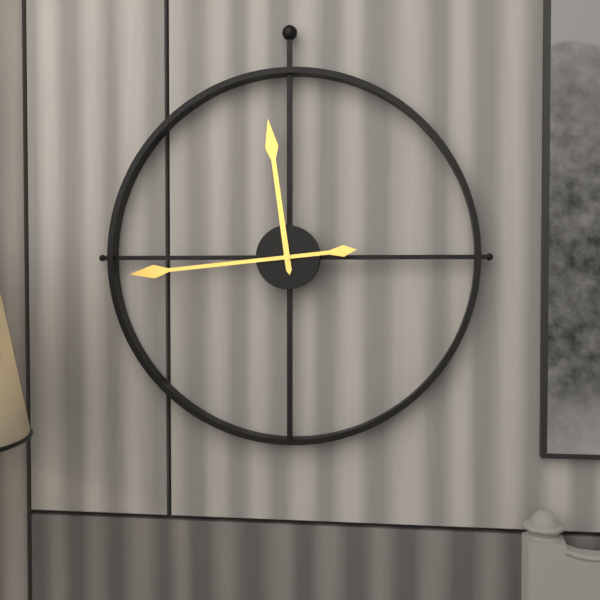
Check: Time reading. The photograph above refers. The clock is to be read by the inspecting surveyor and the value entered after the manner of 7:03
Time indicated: 11:44
